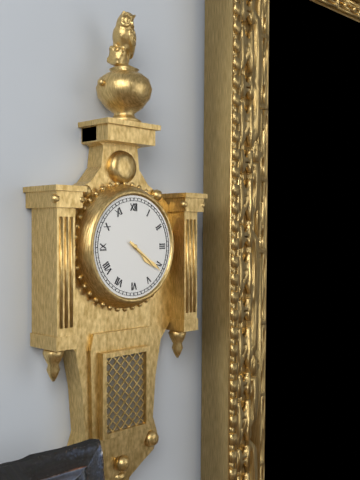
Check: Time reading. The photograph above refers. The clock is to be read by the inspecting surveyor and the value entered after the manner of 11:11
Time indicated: 4:21
